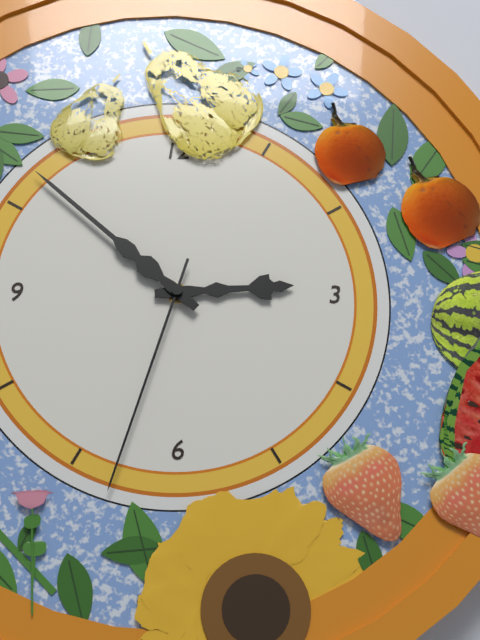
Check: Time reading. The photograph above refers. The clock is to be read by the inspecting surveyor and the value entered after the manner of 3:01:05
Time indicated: 2:52:33
